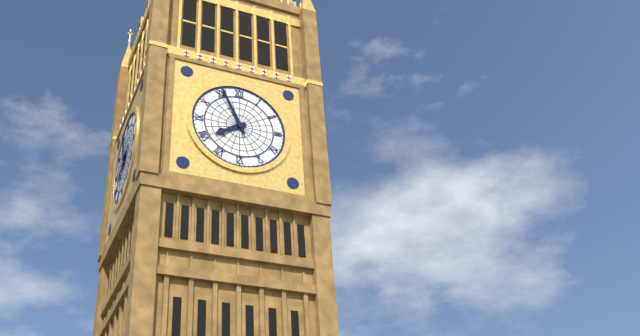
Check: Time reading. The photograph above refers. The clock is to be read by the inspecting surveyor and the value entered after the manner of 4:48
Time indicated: 7:56
